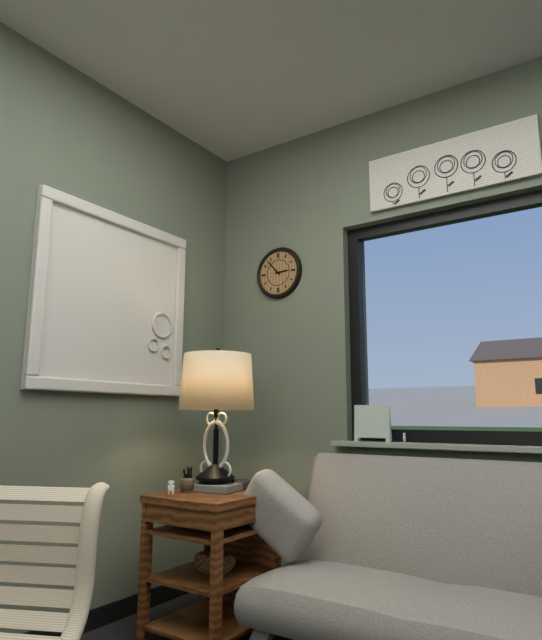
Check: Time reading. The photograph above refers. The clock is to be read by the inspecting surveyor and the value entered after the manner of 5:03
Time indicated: 2:53
